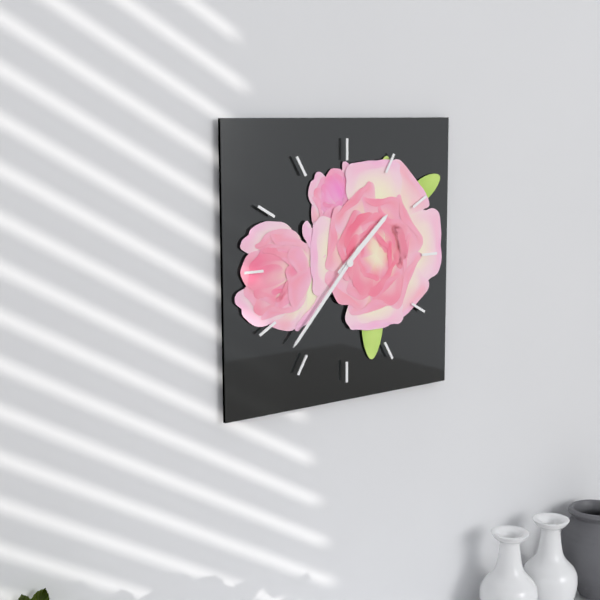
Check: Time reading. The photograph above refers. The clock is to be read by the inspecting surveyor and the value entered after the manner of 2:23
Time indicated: 1:37
